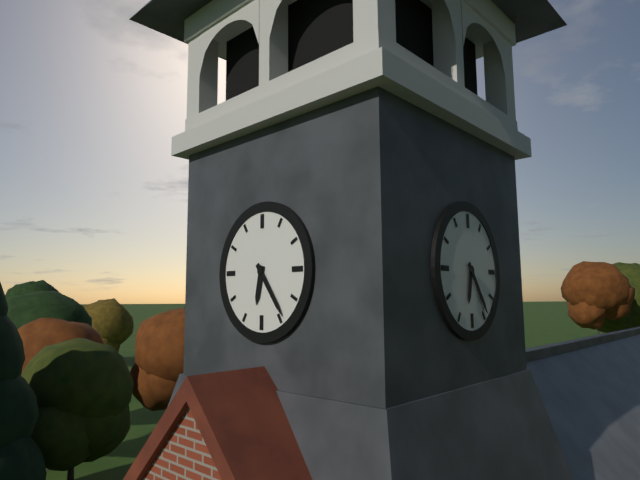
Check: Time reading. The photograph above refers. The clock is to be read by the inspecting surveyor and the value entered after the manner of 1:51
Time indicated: 6:24
